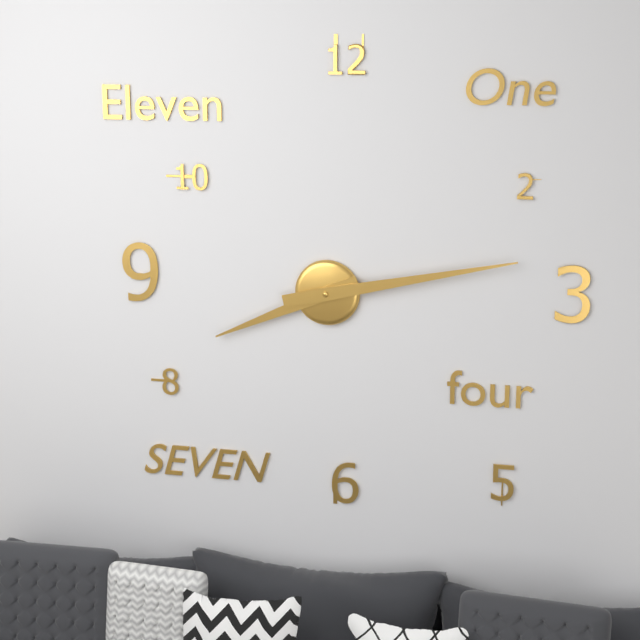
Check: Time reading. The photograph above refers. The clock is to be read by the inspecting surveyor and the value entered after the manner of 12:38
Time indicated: 8:13
